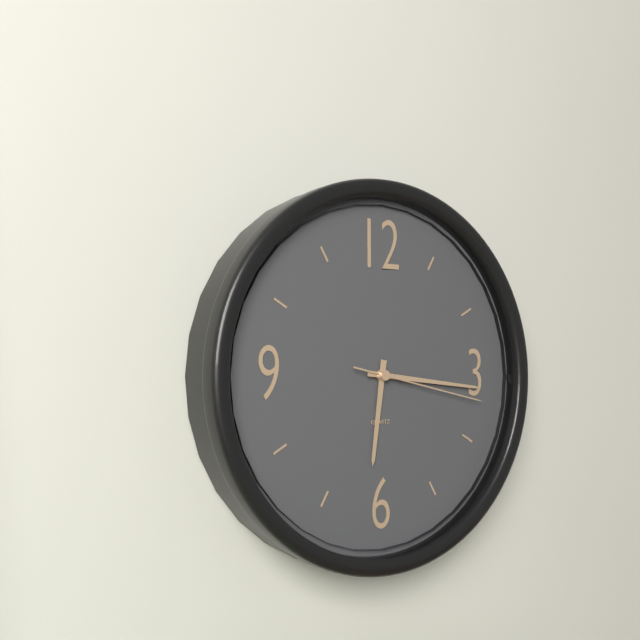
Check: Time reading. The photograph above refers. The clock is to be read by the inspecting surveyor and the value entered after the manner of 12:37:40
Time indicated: 6:16:17
